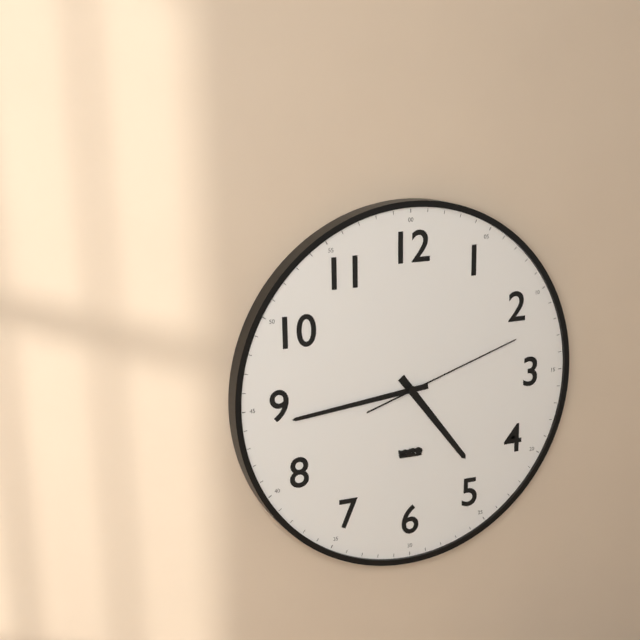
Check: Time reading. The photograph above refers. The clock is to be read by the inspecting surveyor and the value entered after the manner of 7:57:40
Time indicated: 4:44:12
